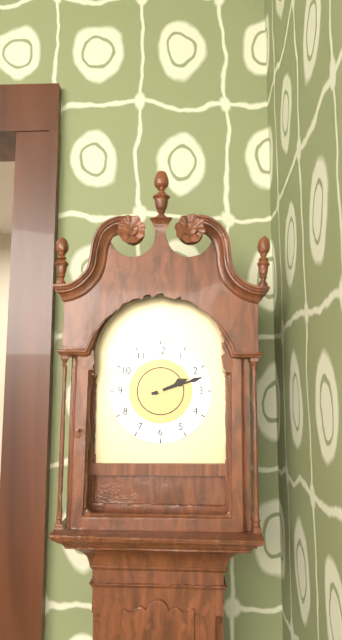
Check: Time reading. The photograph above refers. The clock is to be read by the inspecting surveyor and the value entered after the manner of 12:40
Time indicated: 2:12
